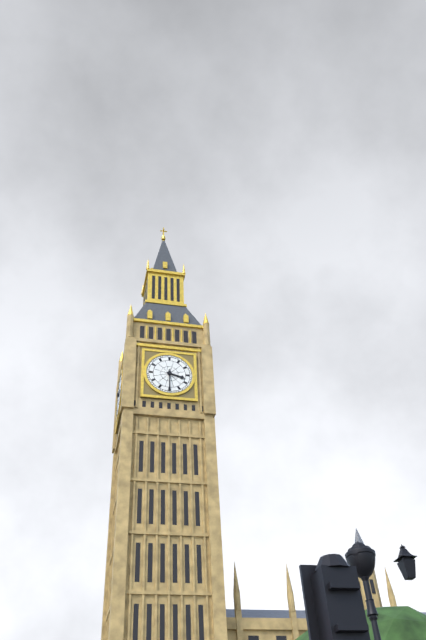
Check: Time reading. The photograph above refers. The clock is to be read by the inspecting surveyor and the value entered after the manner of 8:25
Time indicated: 3:30
